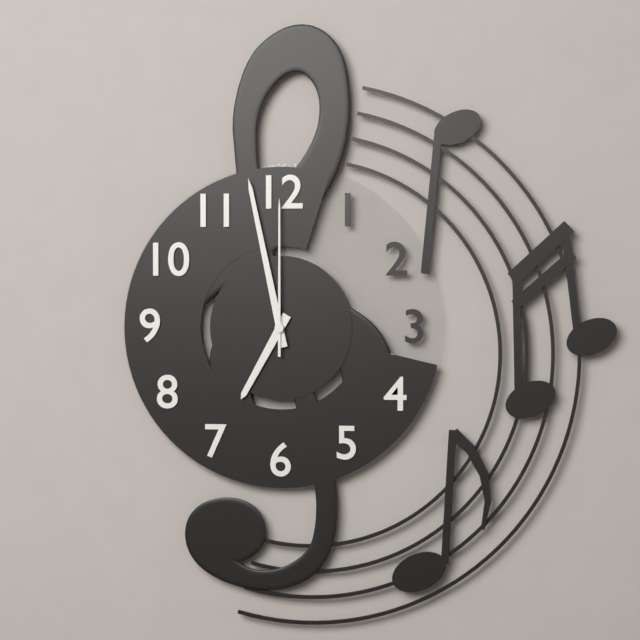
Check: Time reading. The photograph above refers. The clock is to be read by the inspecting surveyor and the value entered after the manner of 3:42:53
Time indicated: 6:58:00
